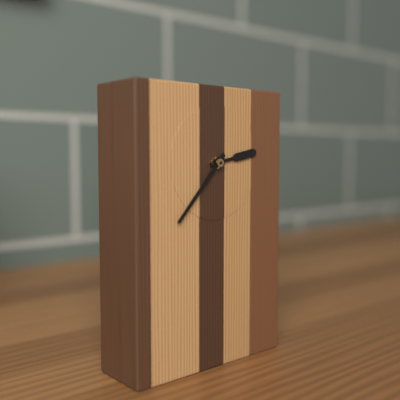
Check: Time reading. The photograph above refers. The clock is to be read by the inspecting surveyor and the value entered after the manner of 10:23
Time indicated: 2:37
